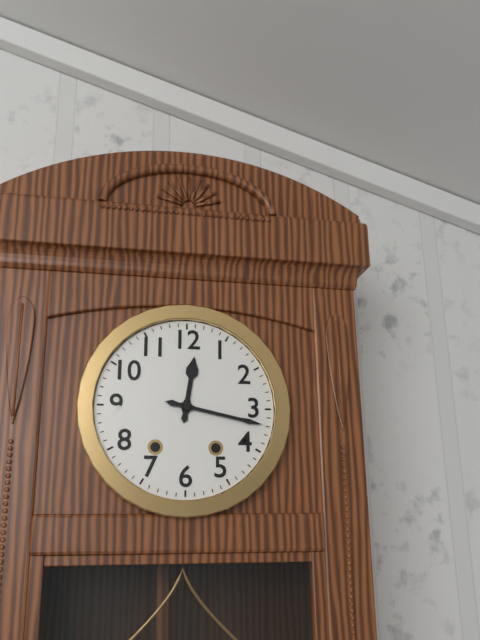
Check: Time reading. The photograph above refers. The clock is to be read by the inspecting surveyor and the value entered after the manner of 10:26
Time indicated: 12:17
